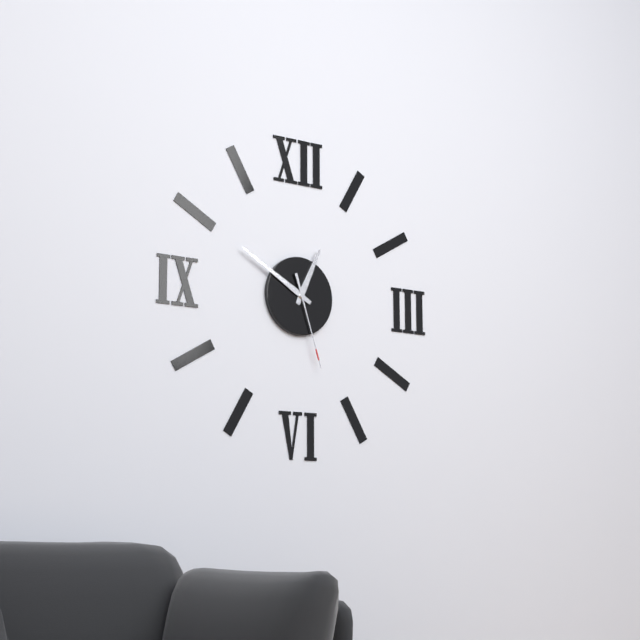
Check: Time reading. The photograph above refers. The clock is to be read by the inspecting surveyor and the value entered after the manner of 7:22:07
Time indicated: 12:50:27
